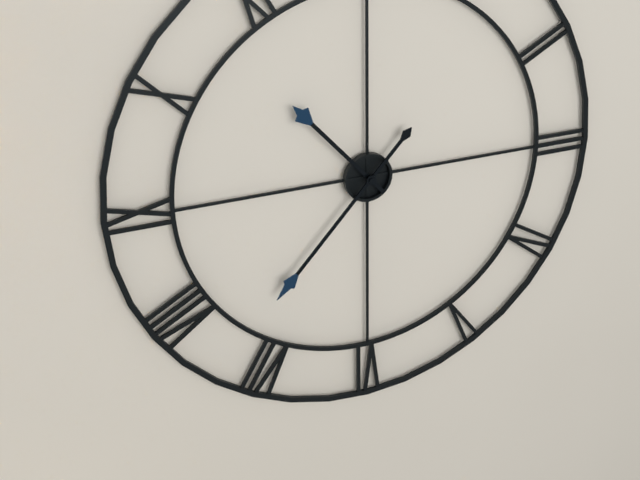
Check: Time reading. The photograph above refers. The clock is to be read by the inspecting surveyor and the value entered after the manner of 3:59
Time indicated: 10:37
